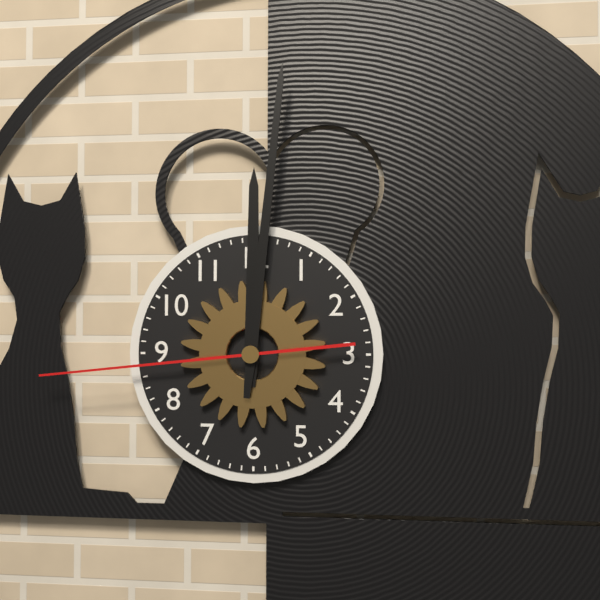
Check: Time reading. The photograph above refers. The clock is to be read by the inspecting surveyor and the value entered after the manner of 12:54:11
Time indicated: 12:01:44
